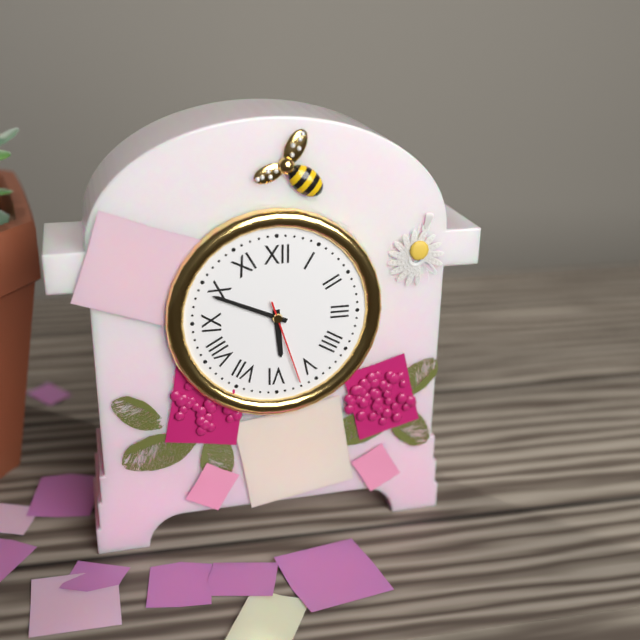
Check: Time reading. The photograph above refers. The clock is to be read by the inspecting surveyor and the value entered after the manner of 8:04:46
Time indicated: 5:49:27
